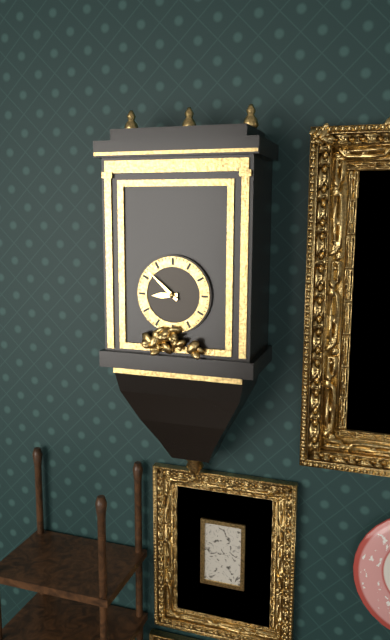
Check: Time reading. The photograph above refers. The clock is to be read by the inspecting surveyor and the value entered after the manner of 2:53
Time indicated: 8:52
